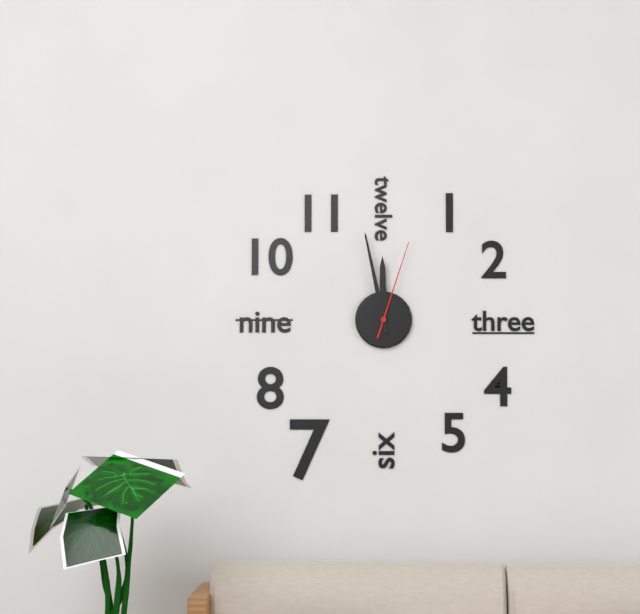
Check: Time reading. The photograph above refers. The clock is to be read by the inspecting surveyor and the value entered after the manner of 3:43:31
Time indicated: 11:58:03
